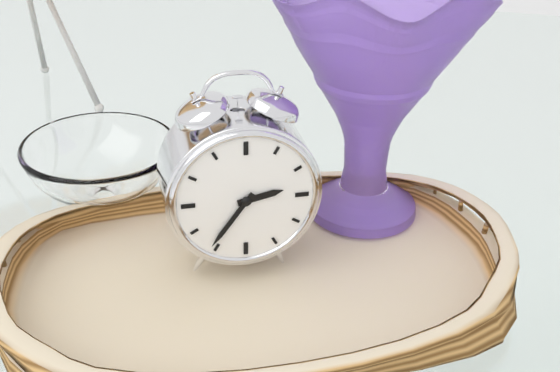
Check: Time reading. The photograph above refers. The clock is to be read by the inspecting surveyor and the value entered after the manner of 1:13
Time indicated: 2:36
